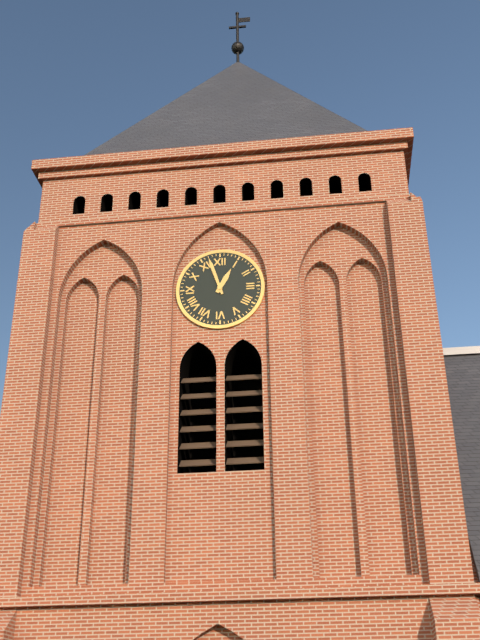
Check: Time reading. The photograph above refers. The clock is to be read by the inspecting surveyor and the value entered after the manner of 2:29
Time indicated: 12:57
